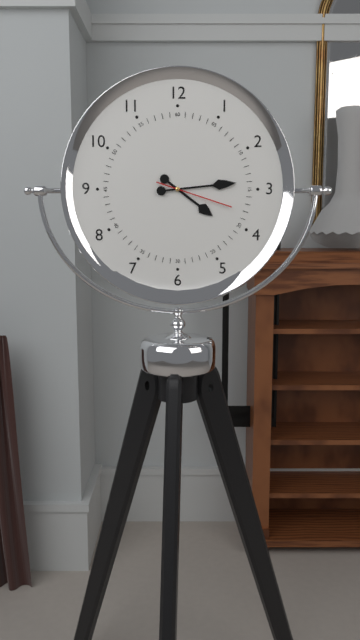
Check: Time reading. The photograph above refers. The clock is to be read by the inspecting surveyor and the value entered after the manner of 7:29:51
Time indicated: 4:14:18
